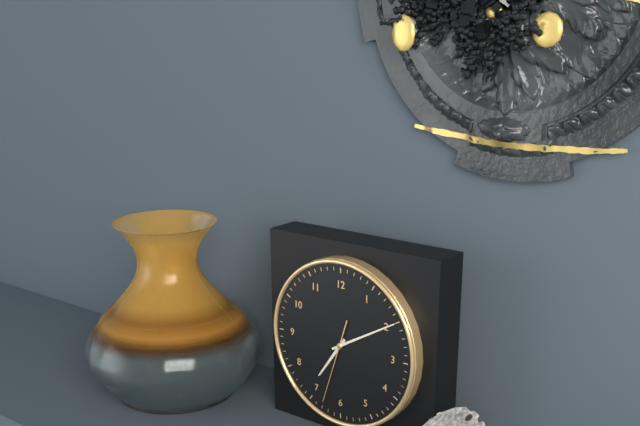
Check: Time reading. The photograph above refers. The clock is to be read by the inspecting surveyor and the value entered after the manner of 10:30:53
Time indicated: 7:10:33
